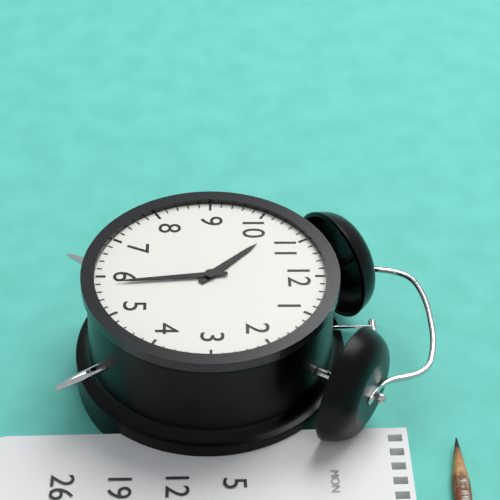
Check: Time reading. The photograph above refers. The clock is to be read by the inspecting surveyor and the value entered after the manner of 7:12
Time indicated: 10:29
